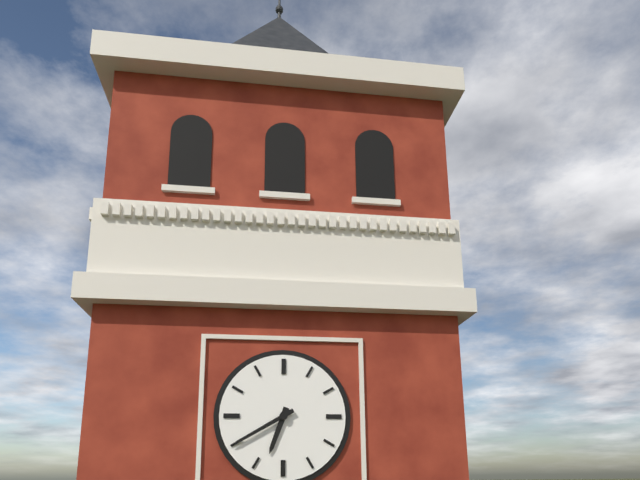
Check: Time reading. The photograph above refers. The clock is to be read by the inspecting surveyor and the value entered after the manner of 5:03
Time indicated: 6:40
